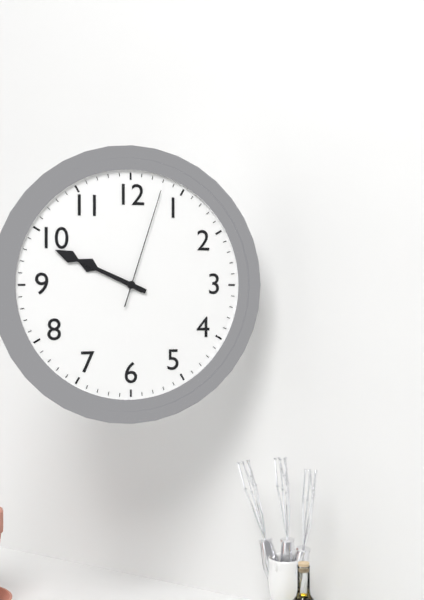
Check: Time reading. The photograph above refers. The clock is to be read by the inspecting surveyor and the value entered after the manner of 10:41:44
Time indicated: 9:49:03
